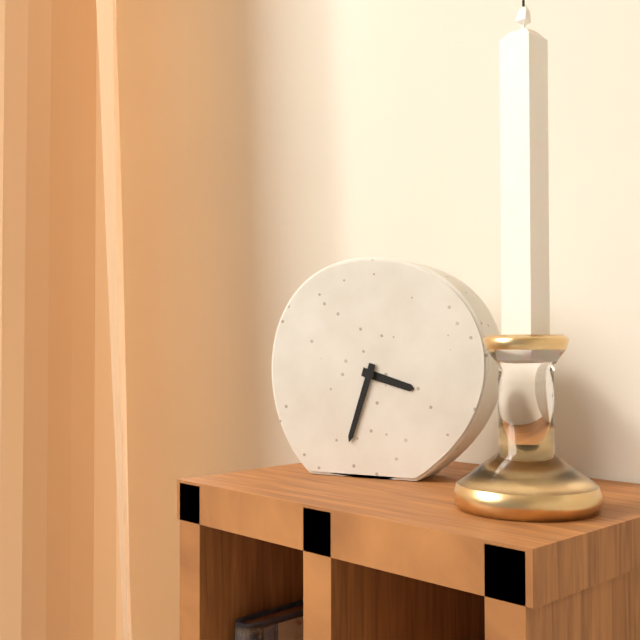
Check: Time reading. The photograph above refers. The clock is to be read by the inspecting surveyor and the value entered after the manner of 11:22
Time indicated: 3:33
